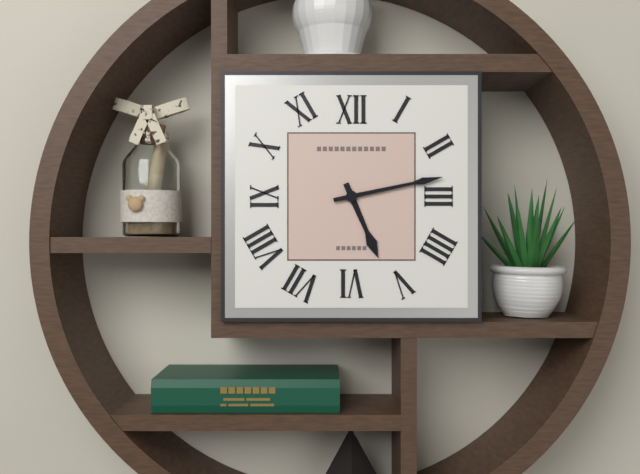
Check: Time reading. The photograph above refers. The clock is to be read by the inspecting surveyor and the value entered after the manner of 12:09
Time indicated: 5:13
